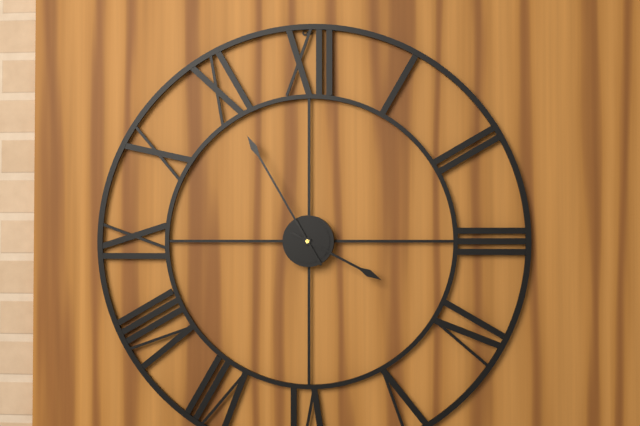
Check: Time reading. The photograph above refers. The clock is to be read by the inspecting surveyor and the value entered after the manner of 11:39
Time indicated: 3:55
